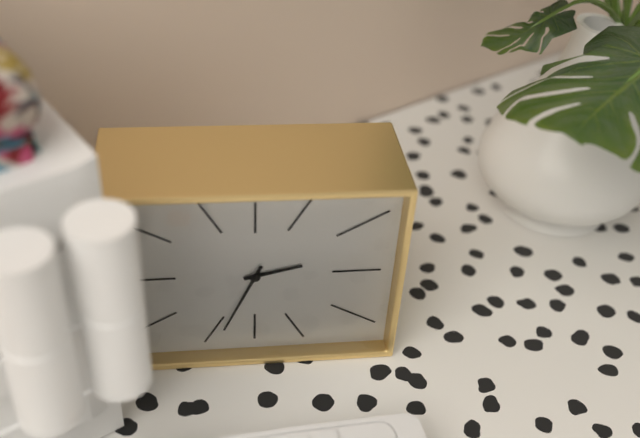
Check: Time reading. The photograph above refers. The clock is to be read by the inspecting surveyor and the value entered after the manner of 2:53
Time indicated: 2:34
